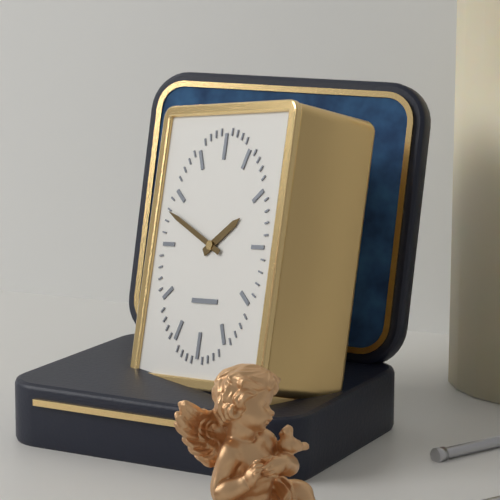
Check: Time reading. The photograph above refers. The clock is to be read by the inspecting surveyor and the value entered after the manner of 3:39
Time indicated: 1:49
